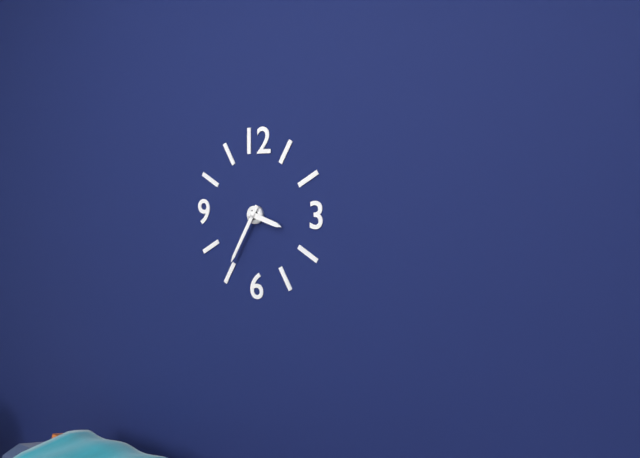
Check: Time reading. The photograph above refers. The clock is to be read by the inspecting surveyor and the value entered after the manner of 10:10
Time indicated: 3:35
